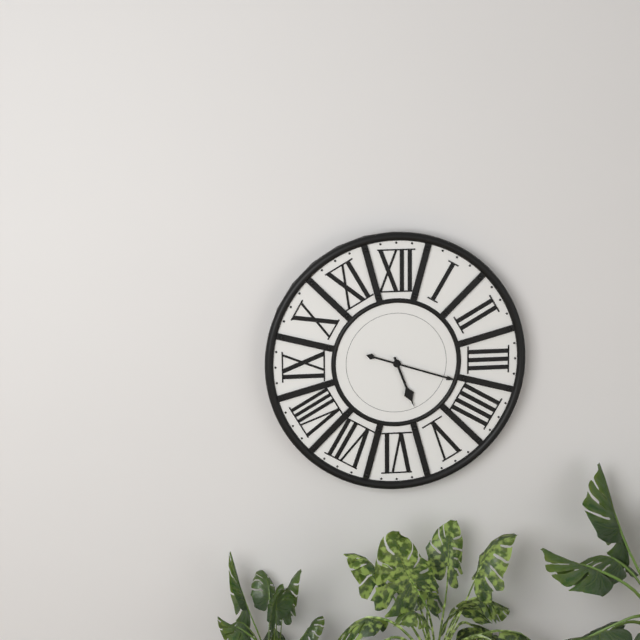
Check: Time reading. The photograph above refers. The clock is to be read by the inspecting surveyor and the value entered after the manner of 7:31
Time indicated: 5:18
